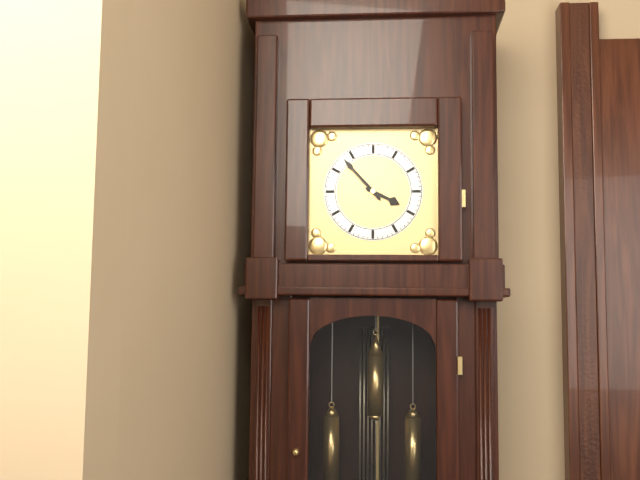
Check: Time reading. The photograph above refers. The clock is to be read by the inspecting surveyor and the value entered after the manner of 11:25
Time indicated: 3:53
